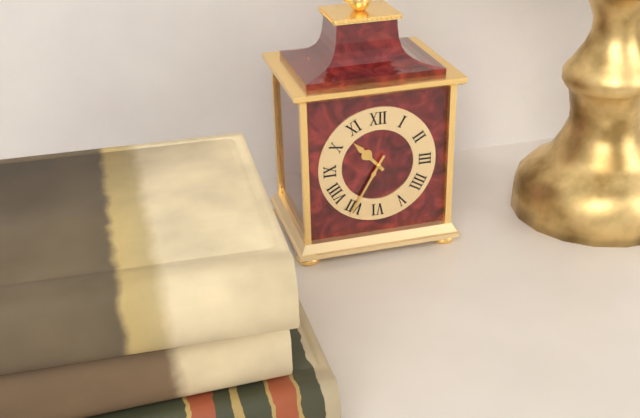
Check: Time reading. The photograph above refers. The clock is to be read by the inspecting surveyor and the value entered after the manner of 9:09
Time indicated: 10:35
